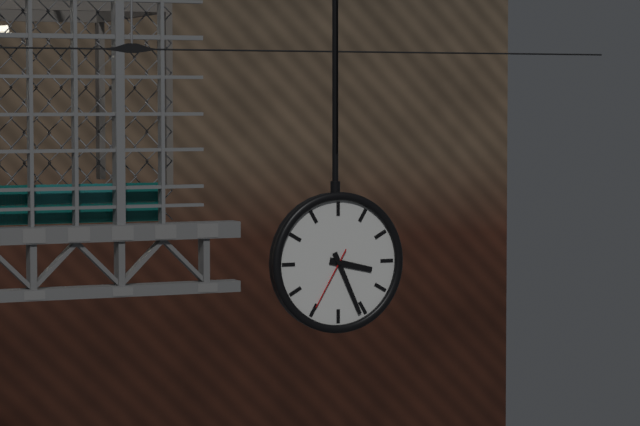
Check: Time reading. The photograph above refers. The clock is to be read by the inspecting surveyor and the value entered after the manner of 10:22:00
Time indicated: 3:26:35
